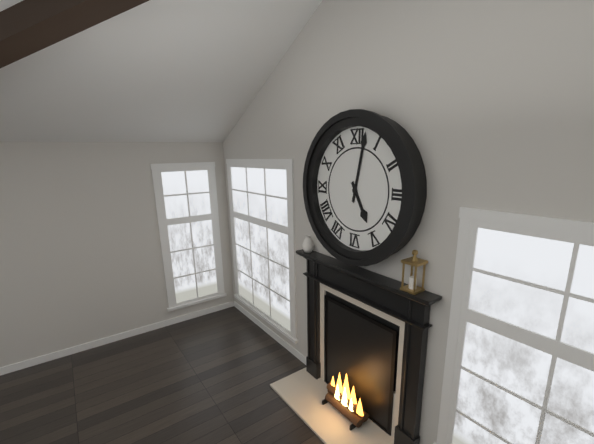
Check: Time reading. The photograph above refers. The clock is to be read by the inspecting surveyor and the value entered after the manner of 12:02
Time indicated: 5:02
